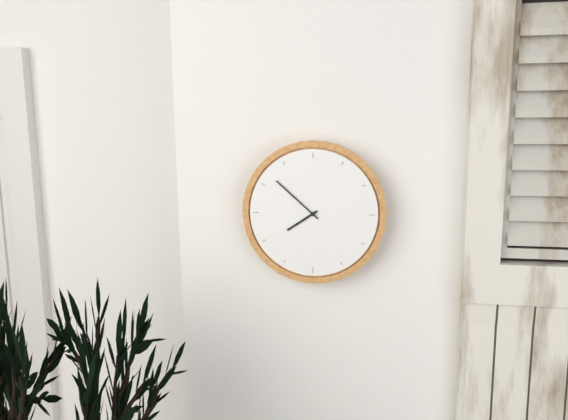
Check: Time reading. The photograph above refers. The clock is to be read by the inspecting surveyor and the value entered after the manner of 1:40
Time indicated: 7:52
